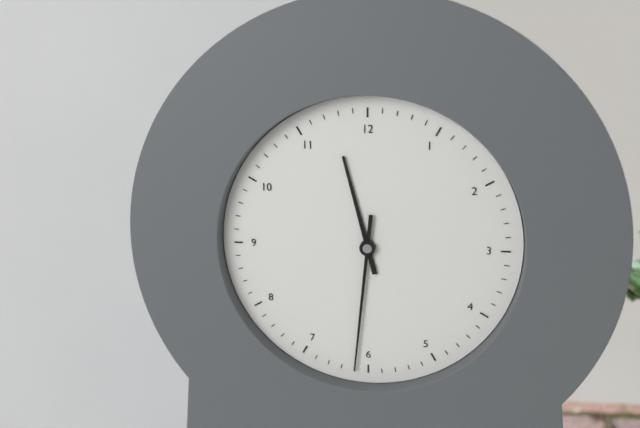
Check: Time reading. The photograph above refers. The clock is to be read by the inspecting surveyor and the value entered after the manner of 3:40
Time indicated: 11:31
